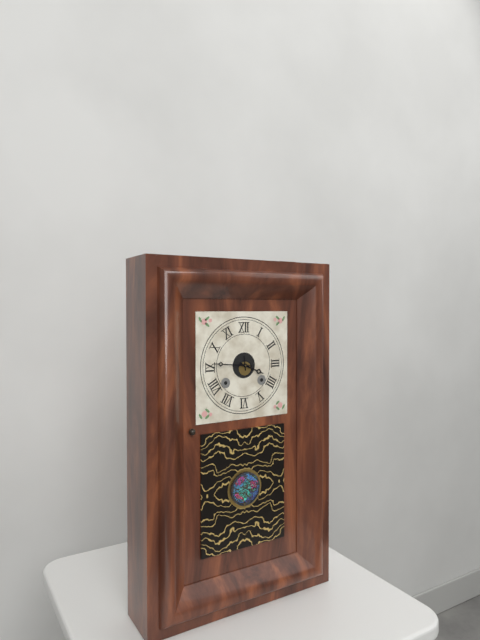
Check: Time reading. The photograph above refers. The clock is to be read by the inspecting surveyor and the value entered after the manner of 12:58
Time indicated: 3:46
